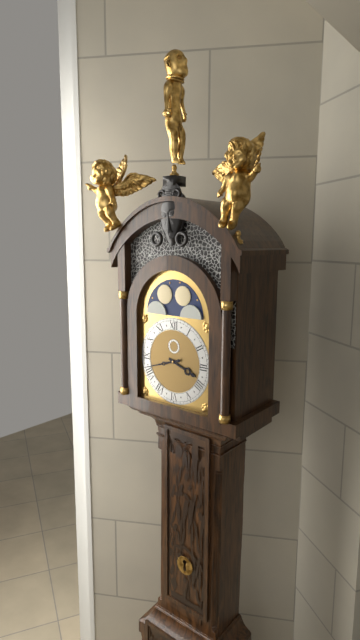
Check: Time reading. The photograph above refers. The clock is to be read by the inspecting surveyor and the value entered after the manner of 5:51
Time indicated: 3:42
